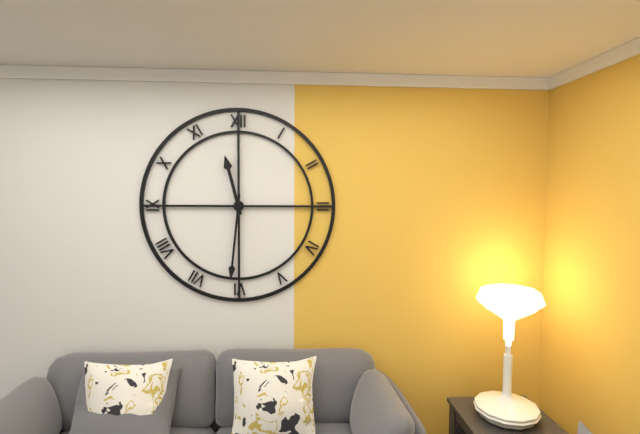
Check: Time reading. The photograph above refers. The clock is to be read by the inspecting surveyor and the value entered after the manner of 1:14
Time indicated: 11:31
